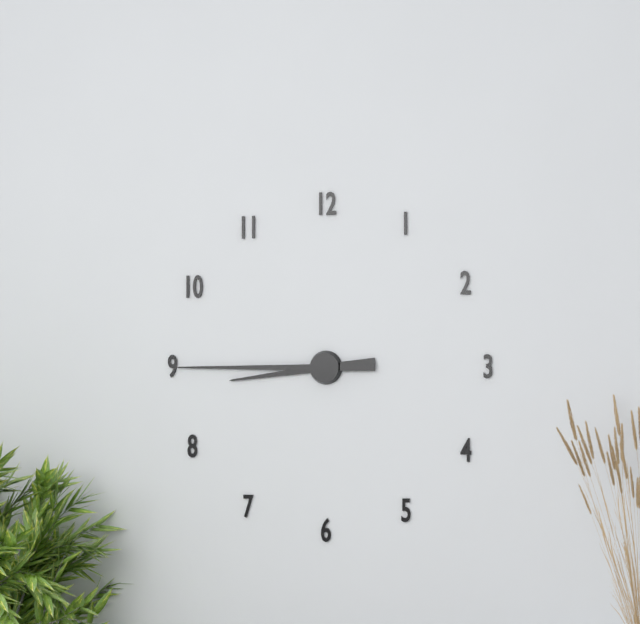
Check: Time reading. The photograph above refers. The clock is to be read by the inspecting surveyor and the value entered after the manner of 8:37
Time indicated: 8:45
